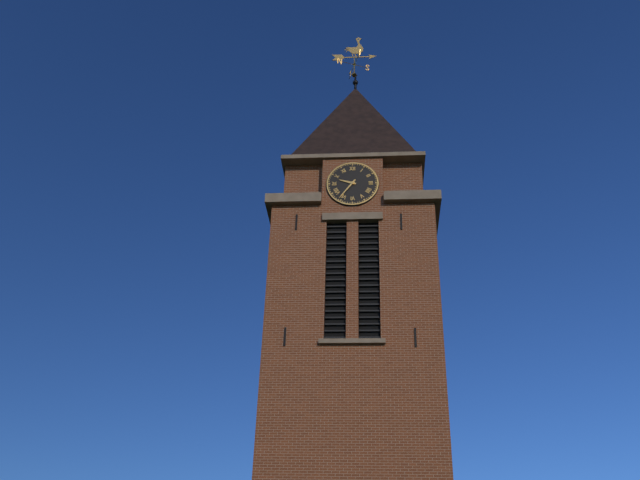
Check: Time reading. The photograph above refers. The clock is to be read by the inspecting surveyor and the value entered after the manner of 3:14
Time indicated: 9:36
